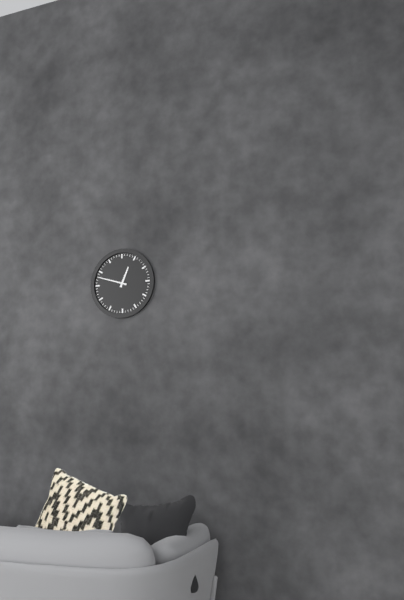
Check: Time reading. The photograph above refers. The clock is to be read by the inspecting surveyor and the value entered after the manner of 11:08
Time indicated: 12:48
